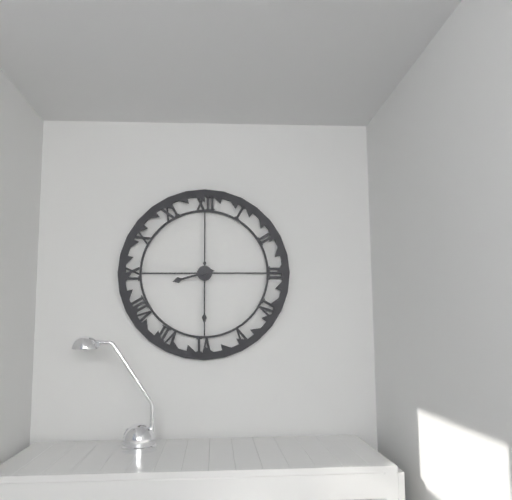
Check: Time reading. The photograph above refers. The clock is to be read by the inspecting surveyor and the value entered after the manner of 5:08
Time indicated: 8:30
